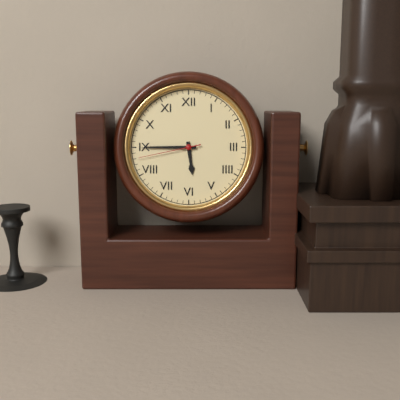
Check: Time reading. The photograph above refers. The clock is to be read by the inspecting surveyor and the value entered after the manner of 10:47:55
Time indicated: 5:45:43
